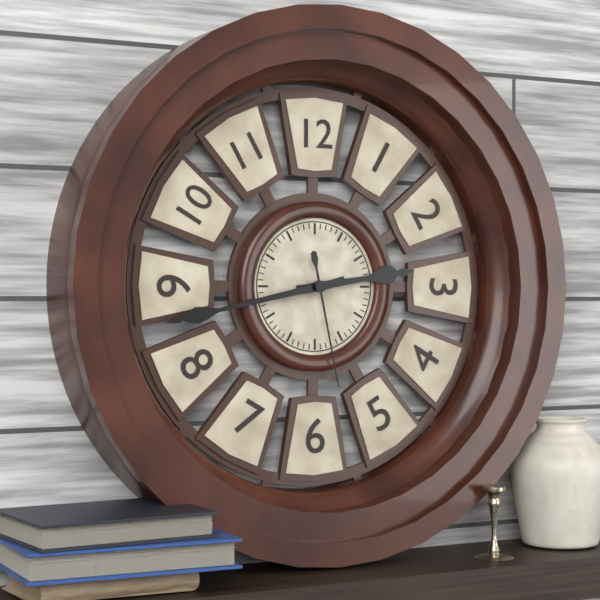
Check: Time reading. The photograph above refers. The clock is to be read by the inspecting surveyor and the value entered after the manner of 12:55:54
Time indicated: 2:43:28
